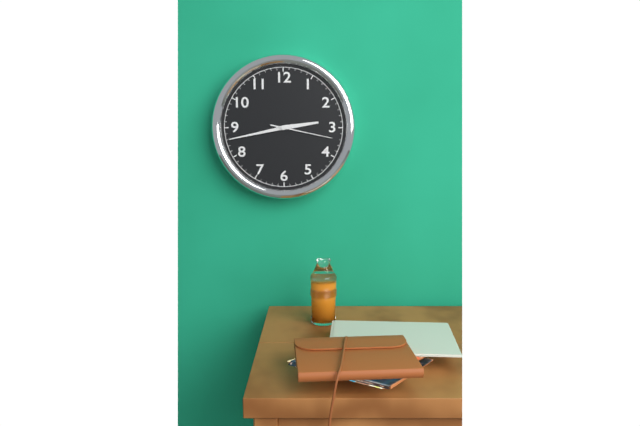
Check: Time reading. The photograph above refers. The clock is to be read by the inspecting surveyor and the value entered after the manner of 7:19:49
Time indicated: 2:43:17
